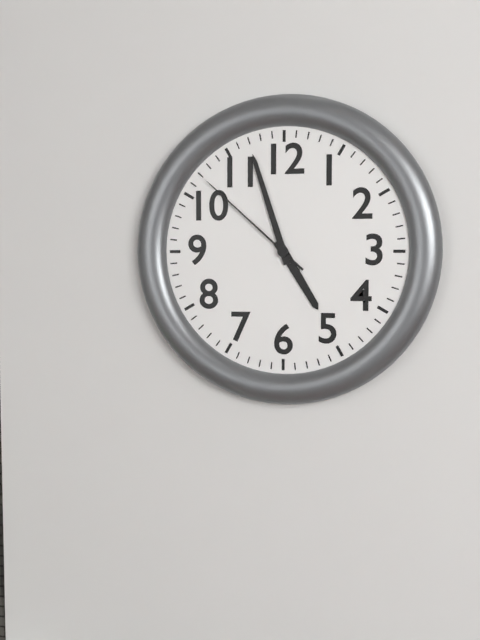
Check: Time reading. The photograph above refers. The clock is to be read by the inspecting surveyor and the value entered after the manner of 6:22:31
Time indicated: 4:57:52
